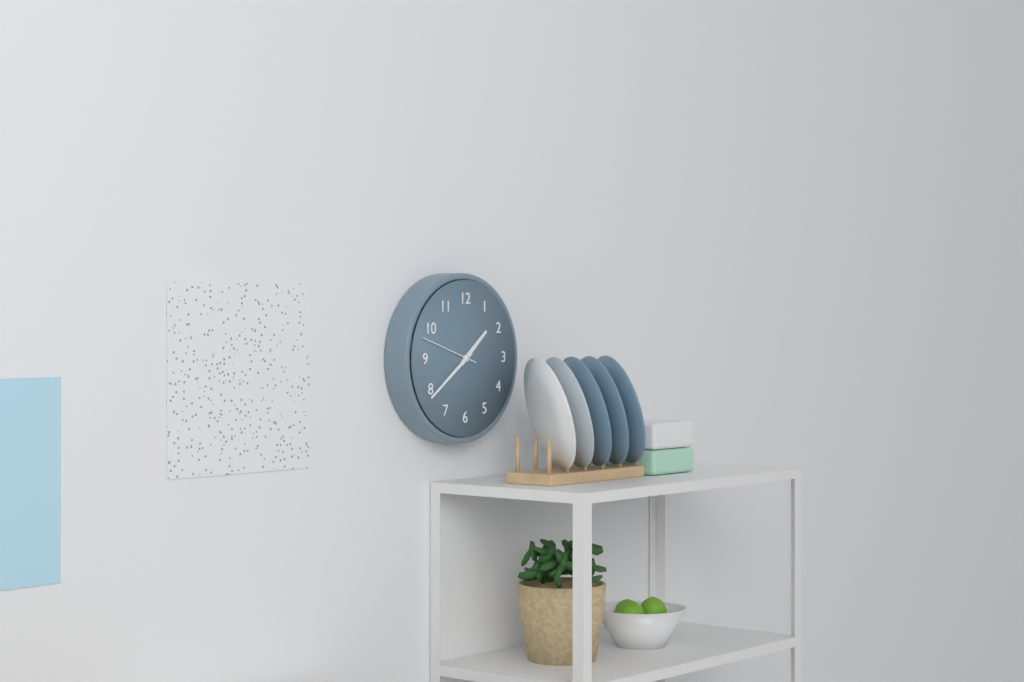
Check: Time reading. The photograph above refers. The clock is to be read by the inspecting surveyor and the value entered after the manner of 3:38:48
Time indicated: 1:39:48
